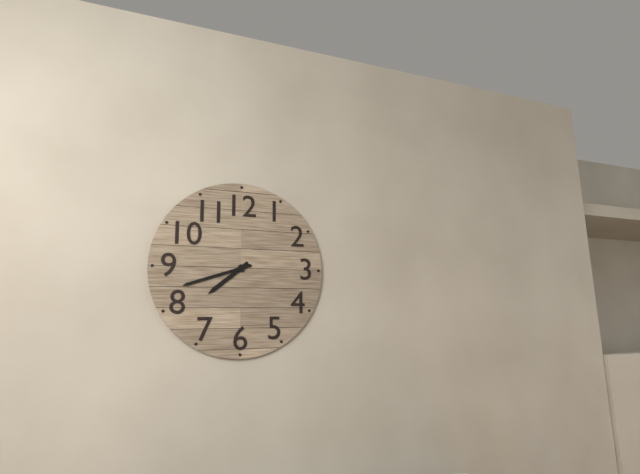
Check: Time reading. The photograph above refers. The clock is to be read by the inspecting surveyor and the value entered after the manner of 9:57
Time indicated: 7:42
